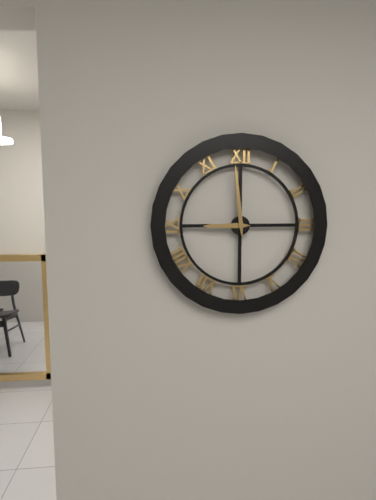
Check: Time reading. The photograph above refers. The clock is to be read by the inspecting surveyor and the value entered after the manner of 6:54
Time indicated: 8:59
